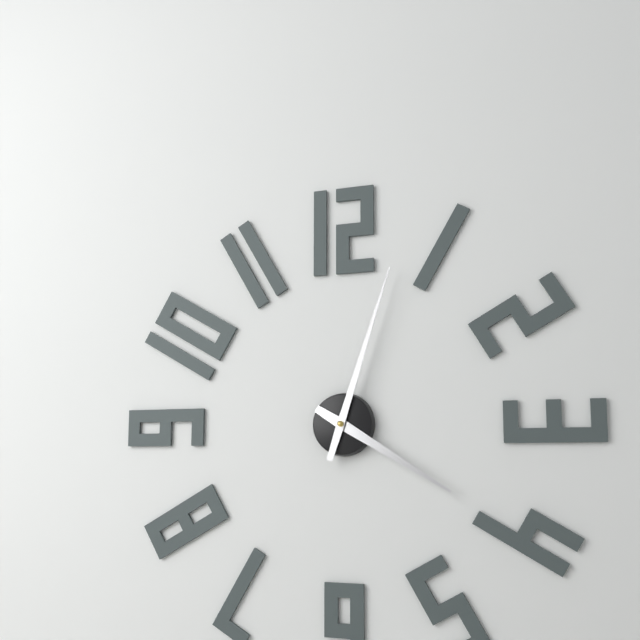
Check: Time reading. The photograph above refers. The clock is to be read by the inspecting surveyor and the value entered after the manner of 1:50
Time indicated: 4:03
